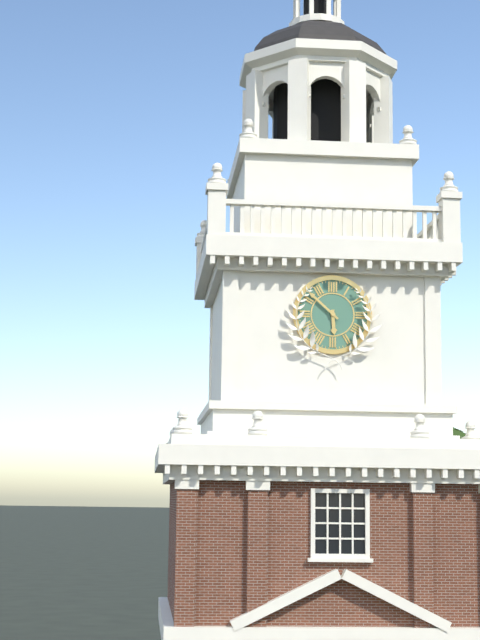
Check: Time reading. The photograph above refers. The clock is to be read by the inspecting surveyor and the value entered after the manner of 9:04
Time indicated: 5:52
